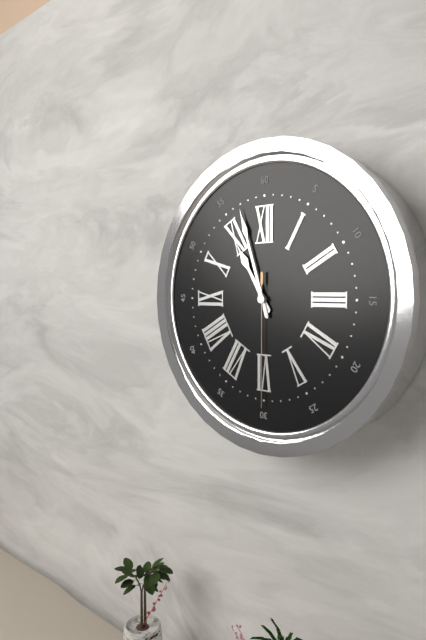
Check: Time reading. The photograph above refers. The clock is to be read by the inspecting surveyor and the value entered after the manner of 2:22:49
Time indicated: 10:57:30
